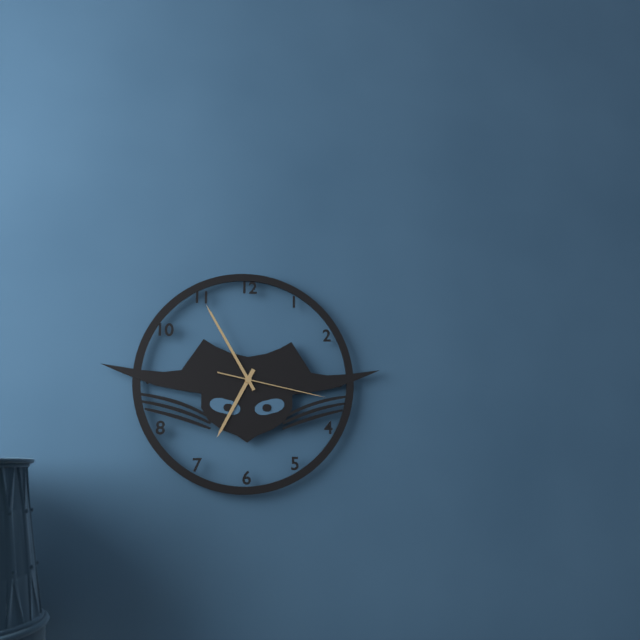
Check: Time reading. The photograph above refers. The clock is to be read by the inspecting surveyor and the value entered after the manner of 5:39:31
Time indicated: 6:55:17
